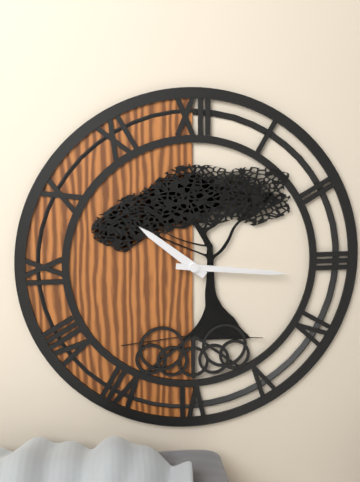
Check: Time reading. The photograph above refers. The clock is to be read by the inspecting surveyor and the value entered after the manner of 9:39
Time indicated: 10:16
